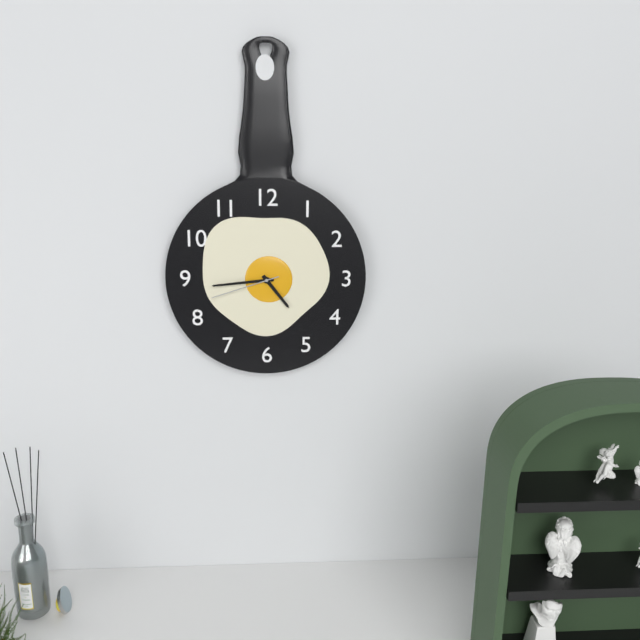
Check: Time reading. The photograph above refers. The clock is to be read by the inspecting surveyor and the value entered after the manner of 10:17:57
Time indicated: 4:44:42
